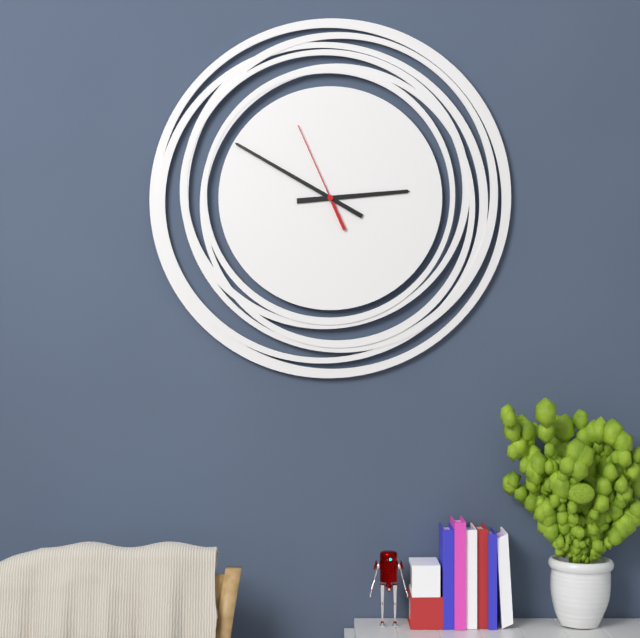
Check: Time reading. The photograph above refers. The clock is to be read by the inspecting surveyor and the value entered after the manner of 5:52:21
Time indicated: 2:50:56
